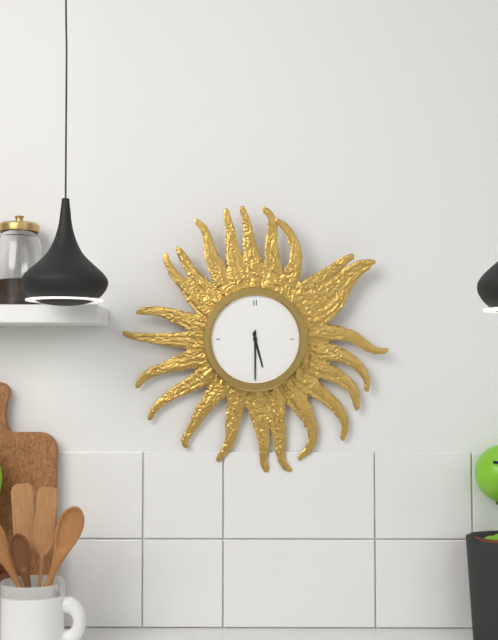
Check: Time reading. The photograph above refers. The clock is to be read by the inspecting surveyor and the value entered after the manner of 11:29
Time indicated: 5:30
